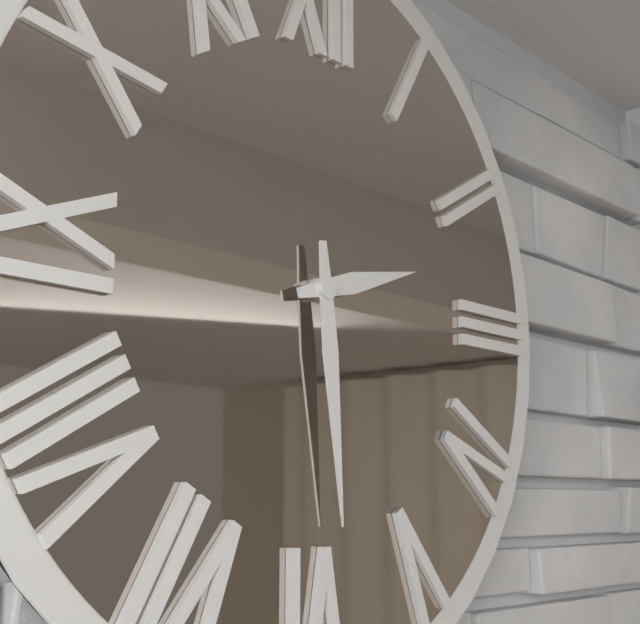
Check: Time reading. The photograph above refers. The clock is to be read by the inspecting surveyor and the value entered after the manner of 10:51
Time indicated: 2:29
